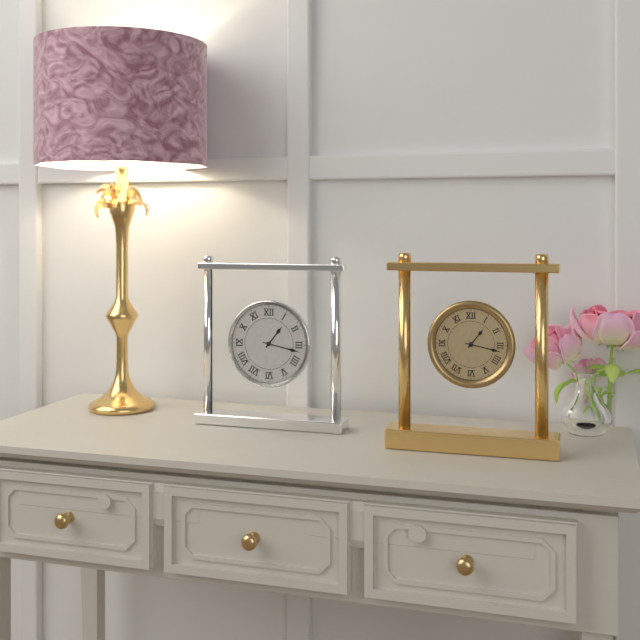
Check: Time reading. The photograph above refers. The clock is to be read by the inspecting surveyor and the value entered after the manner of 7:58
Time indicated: 1:17
